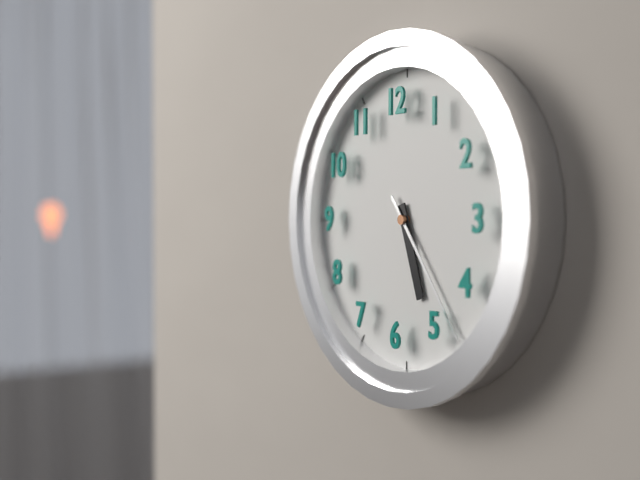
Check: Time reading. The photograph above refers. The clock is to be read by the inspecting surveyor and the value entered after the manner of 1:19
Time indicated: 5:24
